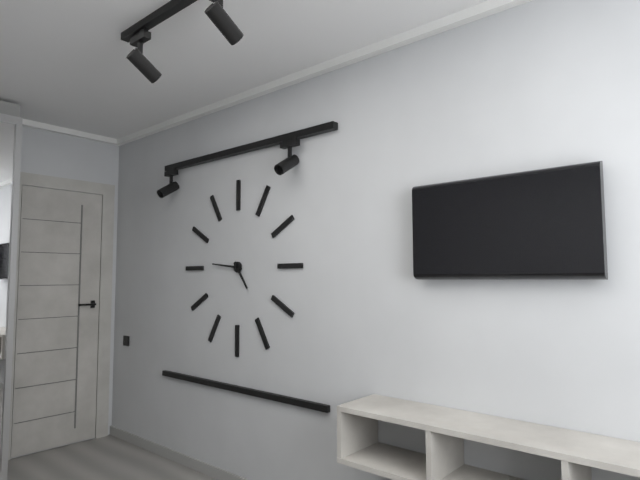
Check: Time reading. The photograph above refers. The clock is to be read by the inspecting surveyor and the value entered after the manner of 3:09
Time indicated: 4:46
